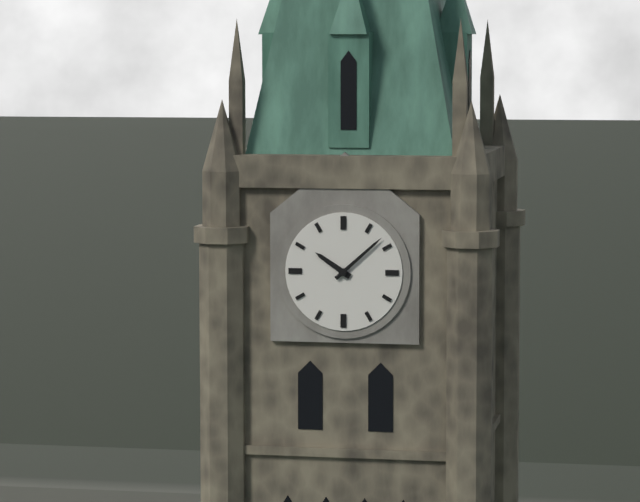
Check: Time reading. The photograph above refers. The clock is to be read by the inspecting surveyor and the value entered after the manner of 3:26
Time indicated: 10:08
